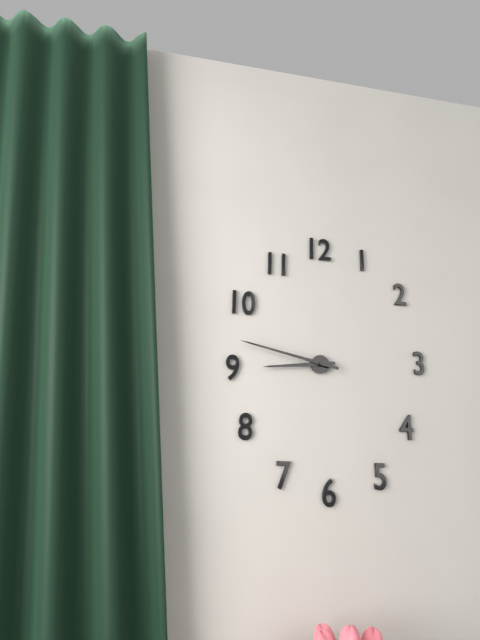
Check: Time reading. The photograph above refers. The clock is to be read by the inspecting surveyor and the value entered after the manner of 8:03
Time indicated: 8:47
